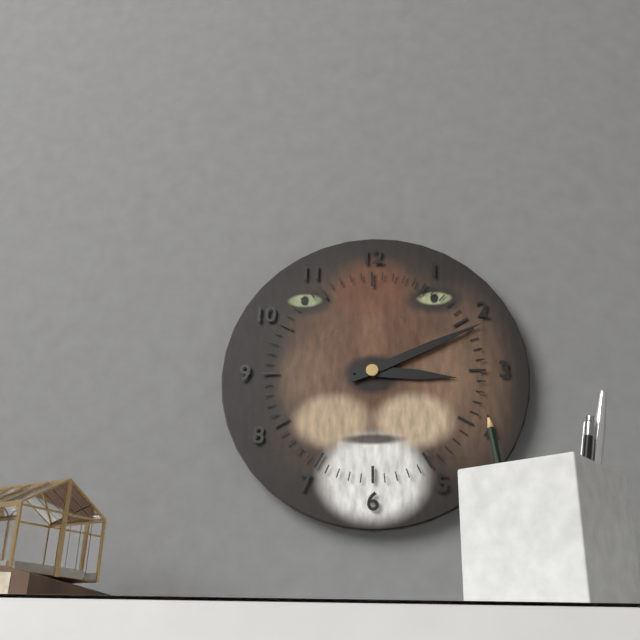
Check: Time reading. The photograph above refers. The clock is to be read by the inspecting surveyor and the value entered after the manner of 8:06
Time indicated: 3:11
